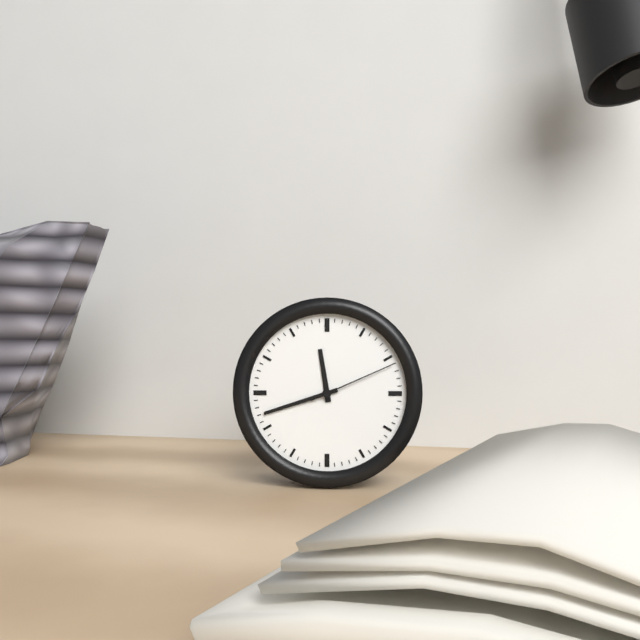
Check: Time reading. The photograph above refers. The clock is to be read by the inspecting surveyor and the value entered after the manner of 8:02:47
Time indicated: 11:42:11
